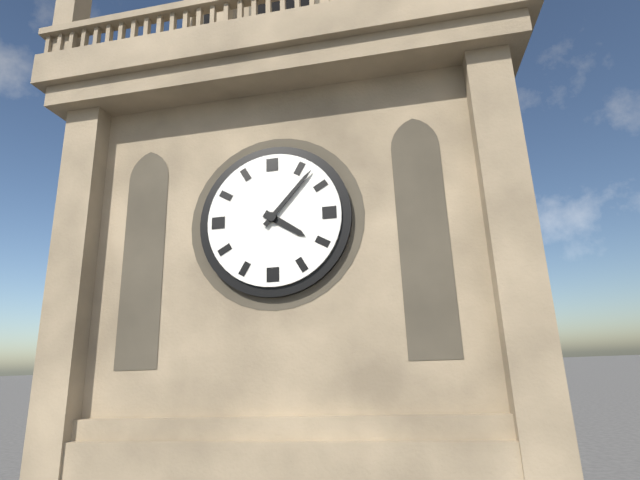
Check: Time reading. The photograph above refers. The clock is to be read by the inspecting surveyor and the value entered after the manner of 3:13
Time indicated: 4:07
